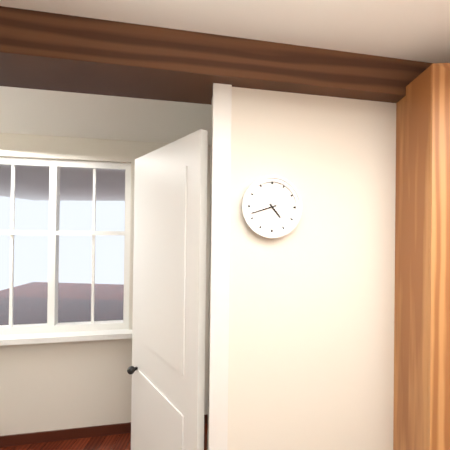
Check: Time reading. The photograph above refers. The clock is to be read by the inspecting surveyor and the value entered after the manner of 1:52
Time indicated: 4:42
